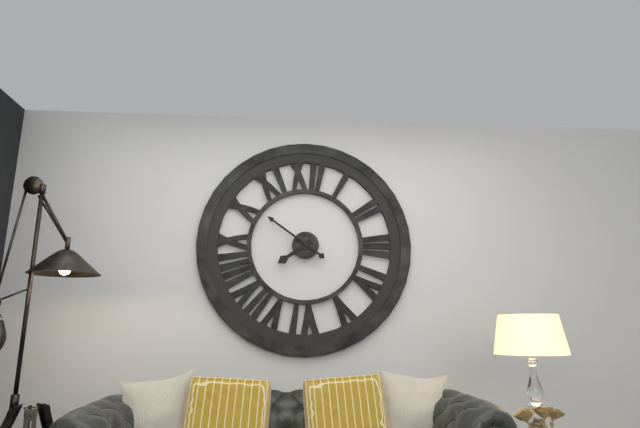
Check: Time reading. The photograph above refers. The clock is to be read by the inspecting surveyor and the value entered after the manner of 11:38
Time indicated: 7:51
